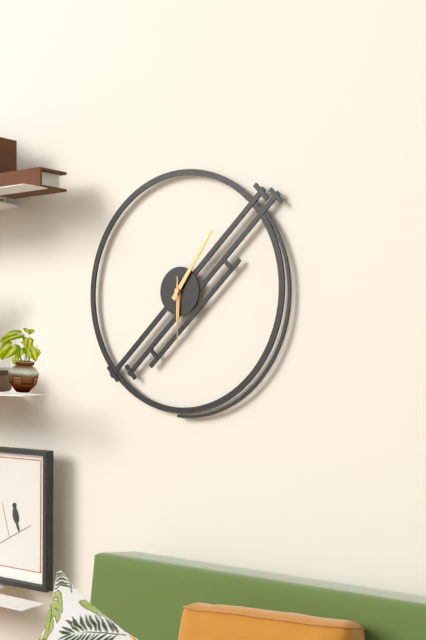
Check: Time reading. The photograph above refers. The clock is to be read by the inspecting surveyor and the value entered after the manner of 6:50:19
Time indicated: 6:06:30
